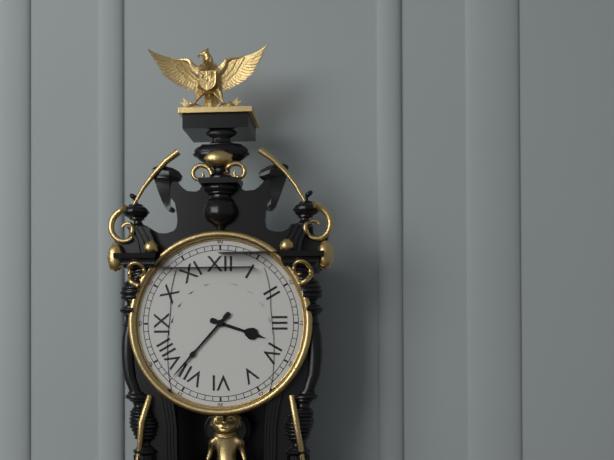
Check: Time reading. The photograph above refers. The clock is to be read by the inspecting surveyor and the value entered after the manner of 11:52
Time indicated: 3:37
